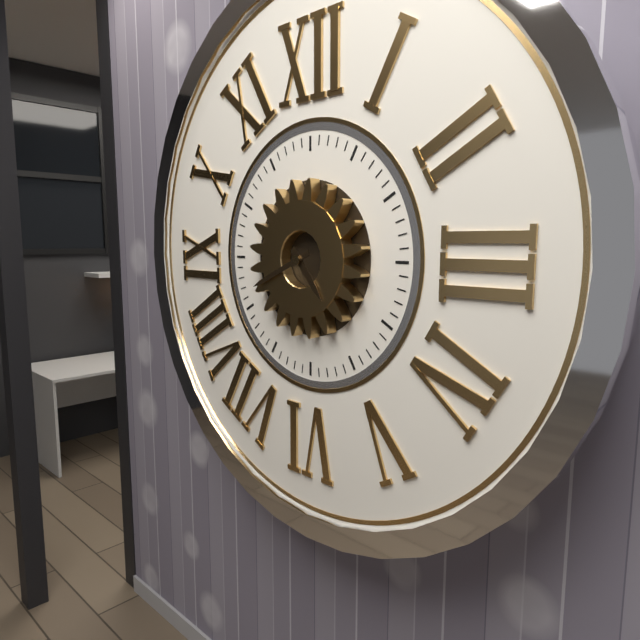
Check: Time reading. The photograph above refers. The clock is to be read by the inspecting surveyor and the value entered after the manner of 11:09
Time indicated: 4:41
